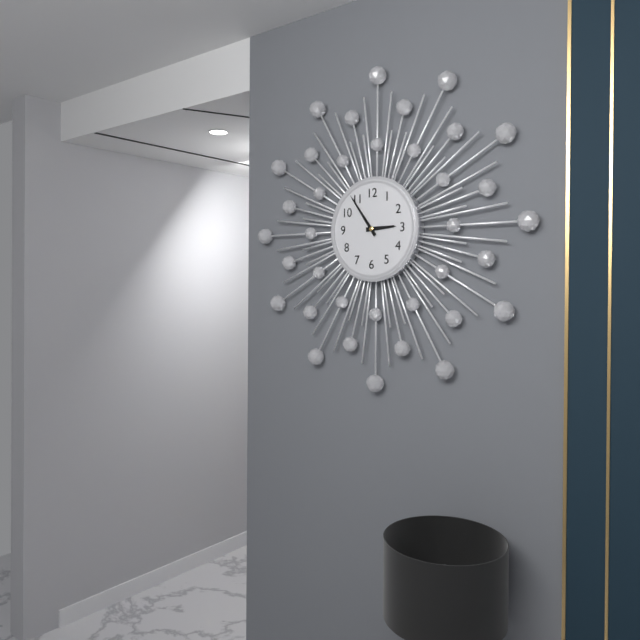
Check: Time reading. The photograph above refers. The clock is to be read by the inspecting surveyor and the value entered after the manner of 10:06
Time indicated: 2:54
